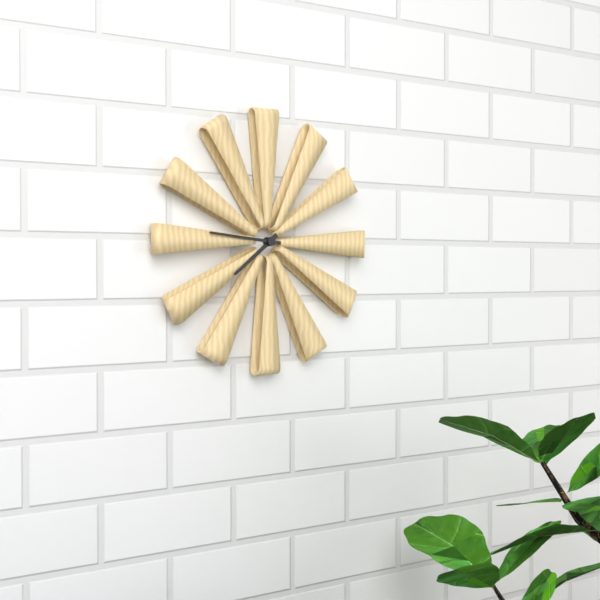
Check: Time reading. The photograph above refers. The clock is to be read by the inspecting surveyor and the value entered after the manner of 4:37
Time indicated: 7:46
